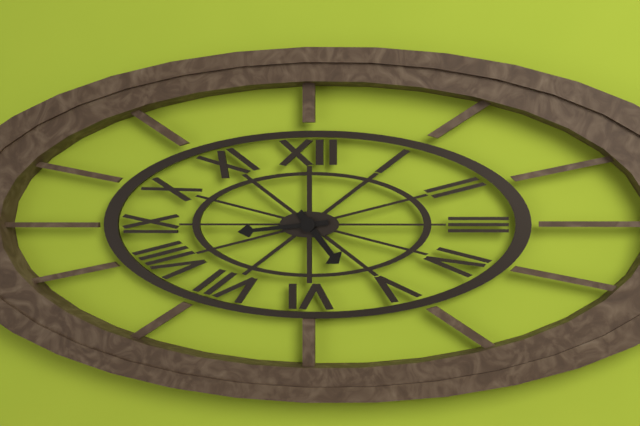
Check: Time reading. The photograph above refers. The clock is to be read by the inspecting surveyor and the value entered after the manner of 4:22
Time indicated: 4:44
